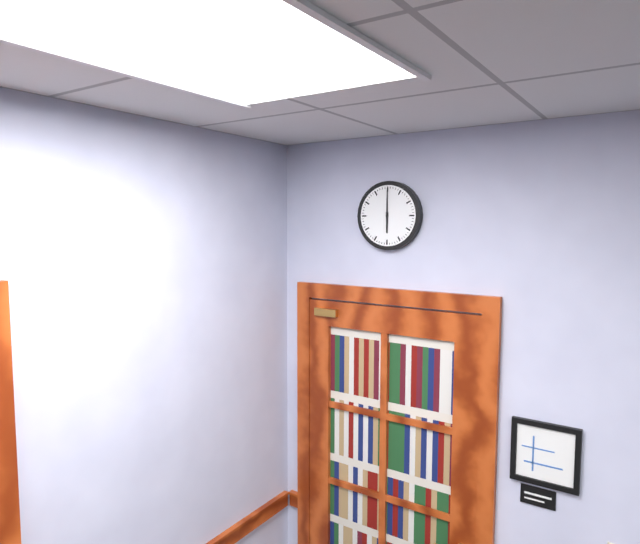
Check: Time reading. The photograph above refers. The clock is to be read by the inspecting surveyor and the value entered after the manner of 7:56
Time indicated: 6:00
